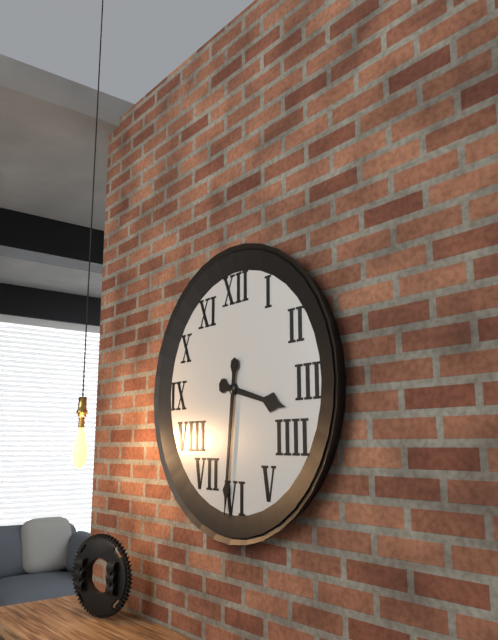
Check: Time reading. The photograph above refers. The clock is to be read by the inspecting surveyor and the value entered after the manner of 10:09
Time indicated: 3:31
